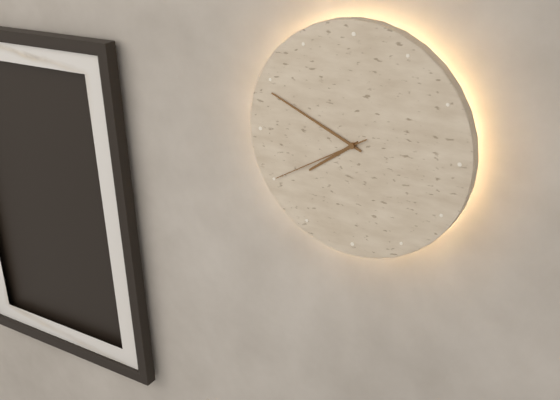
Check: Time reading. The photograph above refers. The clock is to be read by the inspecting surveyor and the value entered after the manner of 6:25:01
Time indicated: 7:49:40
